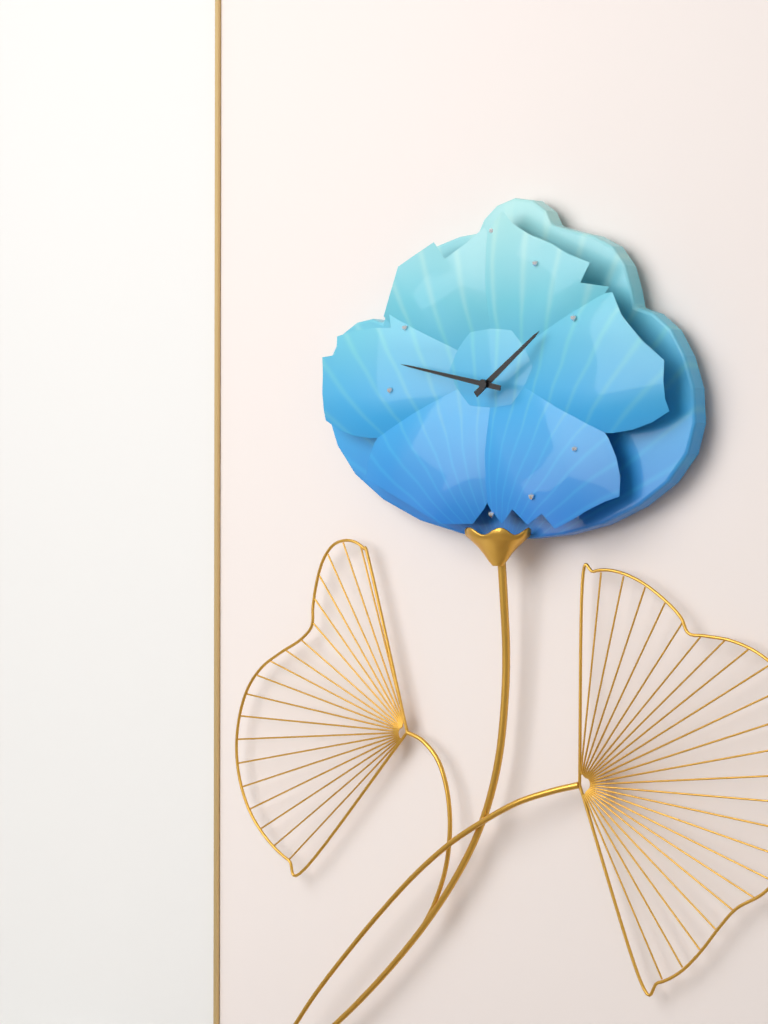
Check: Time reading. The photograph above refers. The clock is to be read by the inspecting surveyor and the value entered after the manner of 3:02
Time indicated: 1:47
